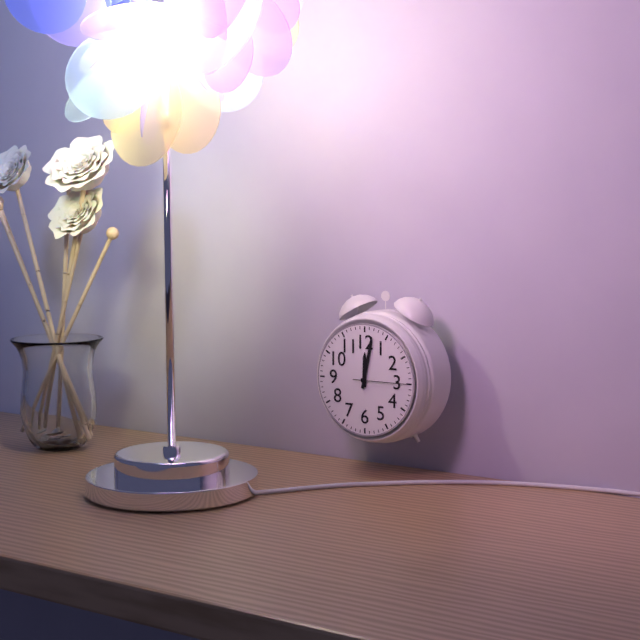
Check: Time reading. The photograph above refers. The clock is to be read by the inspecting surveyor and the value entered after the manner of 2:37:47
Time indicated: 12:02:15
